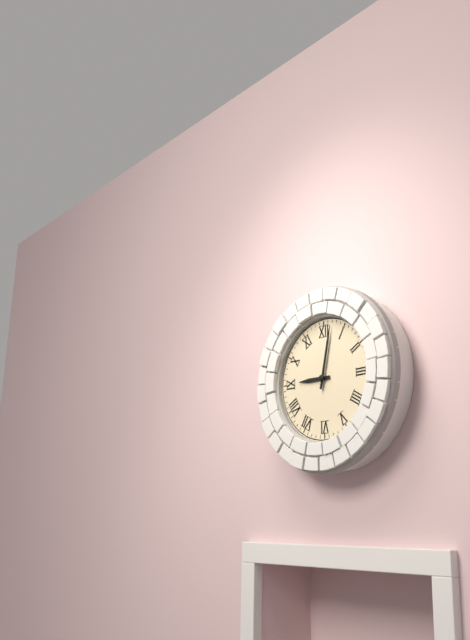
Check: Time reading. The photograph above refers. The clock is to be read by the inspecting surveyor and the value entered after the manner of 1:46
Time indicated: 9:02
